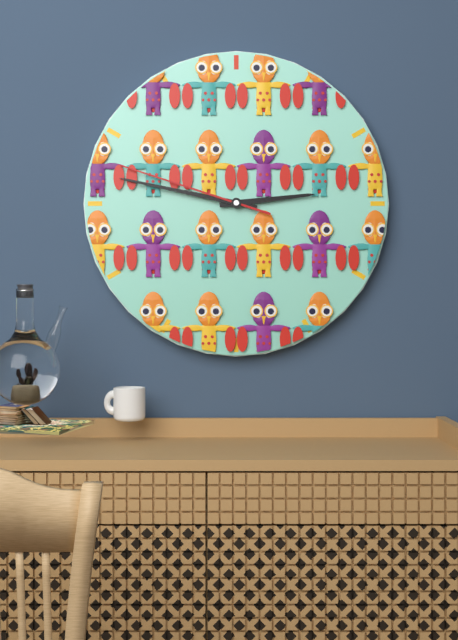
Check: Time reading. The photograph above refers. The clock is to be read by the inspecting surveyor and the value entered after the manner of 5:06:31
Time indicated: 2:47:48
